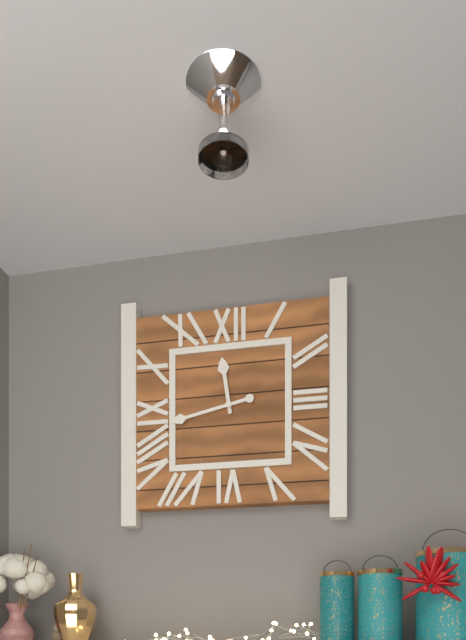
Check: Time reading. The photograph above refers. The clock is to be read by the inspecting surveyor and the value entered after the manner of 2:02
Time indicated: 11:43
